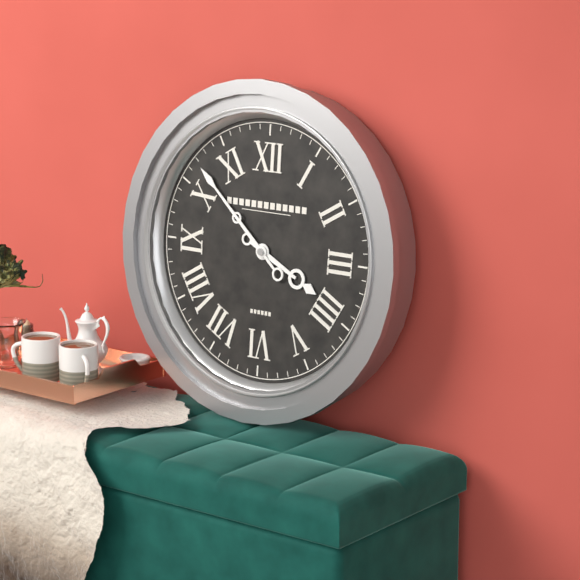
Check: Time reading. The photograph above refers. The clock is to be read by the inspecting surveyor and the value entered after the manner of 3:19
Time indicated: 3:52
